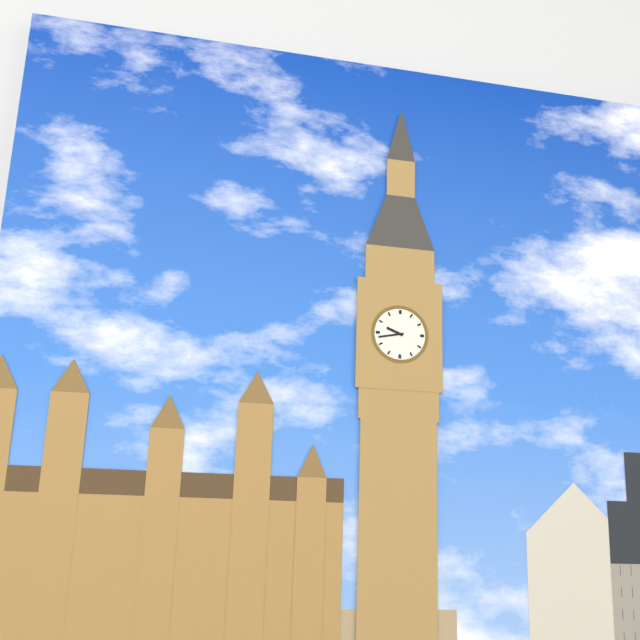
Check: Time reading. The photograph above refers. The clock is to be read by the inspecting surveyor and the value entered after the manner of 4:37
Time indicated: 9:43
